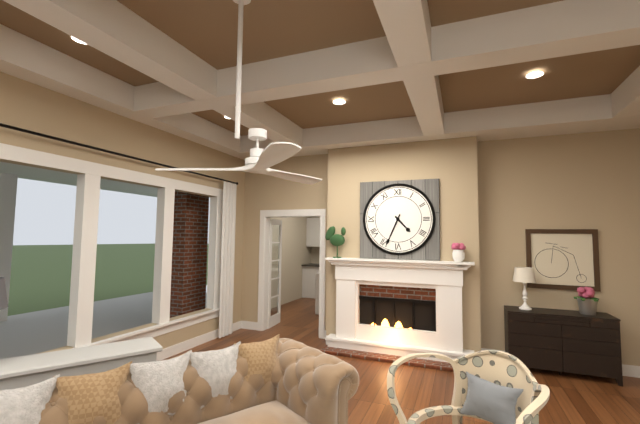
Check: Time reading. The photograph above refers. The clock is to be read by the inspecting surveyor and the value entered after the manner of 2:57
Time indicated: 4:34
